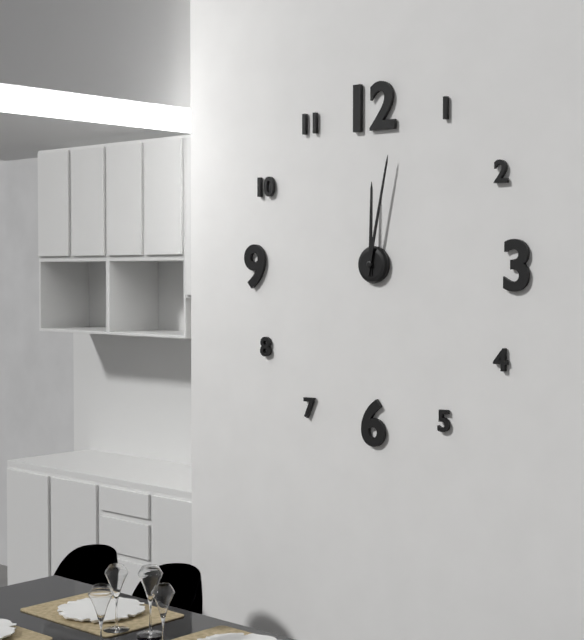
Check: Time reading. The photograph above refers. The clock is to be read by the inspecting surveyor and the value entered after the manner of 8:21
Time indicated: 12:02
